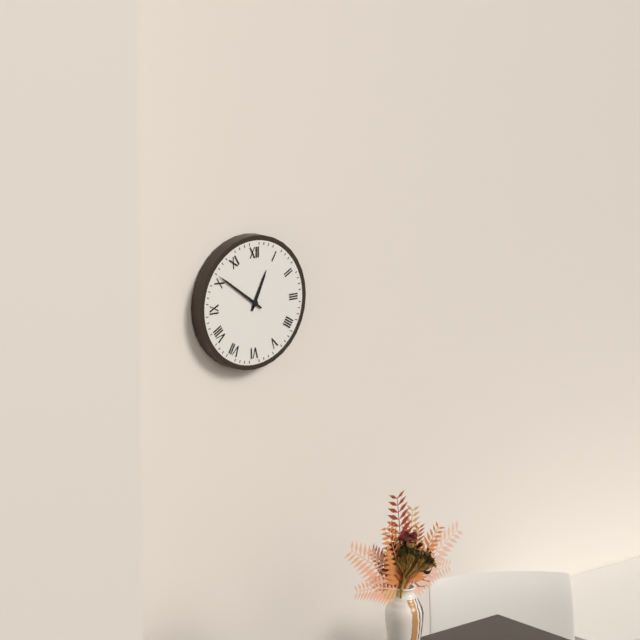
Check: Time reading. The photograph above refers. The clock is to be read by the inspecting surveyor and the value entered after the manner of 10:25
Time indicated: 12:51
